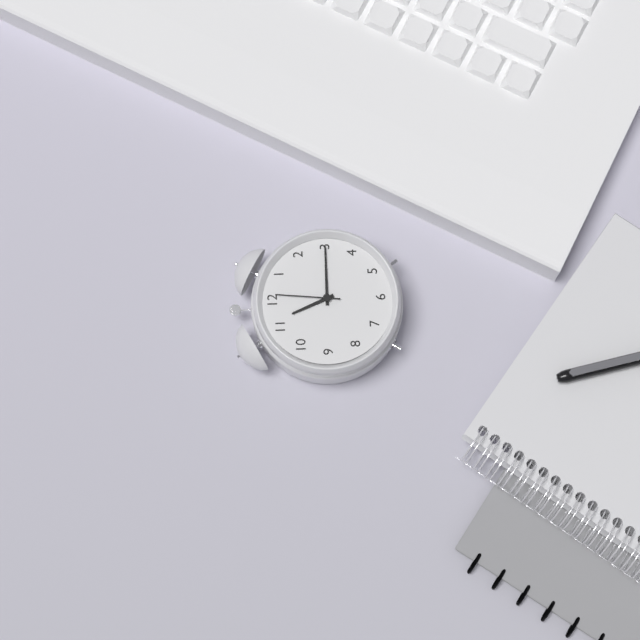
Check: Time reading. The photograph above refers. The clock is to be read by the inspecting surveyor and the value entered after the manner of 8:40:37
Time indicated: 11:15:01
